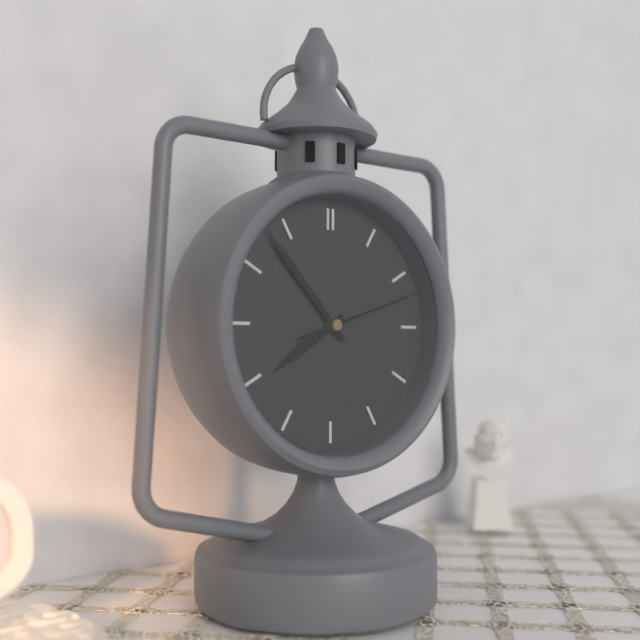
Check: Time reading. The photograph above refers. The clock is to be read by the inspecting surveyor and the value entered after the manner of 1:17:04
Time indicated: 7:53:12
